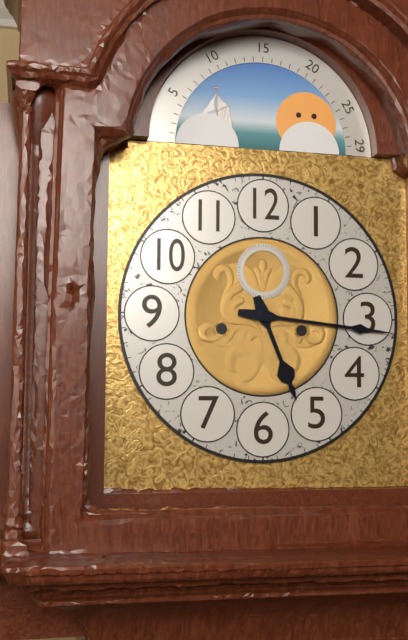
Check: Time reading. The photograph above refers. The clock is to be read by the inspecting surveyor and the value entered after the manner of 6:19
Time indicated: 5:16
